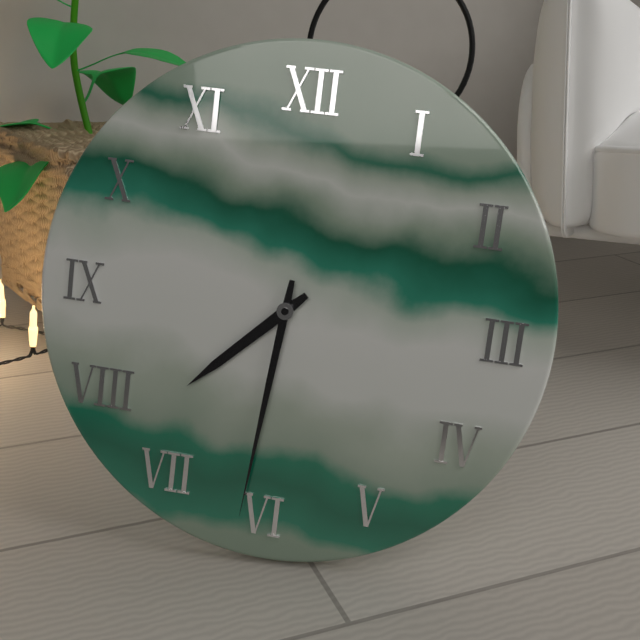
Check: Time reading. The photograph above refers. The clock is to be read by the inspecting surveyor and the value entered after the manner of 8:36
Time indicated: 7:31
